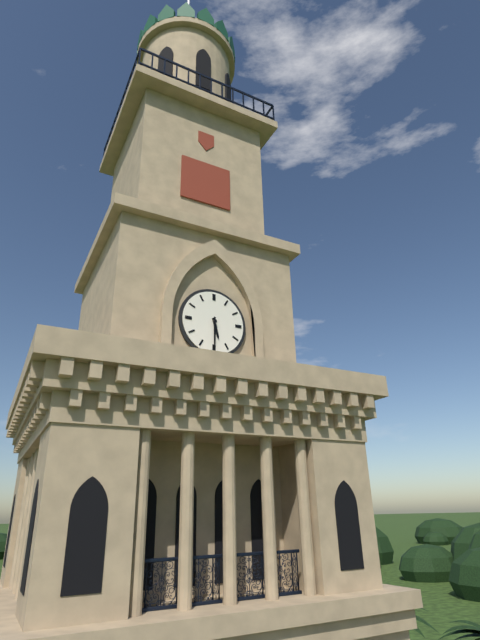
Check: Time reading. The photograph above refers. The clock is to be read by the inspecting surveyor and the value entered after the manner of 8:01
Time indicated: 5:30
